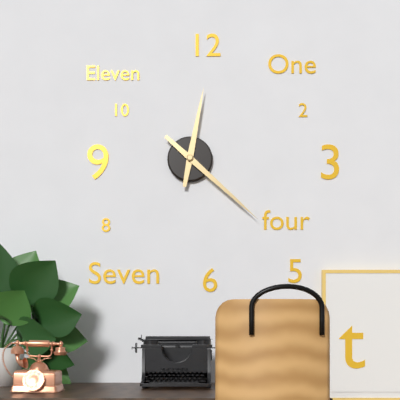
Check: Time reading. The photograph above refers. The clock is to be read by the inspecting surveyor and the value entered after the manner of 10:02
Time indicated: 12:22
